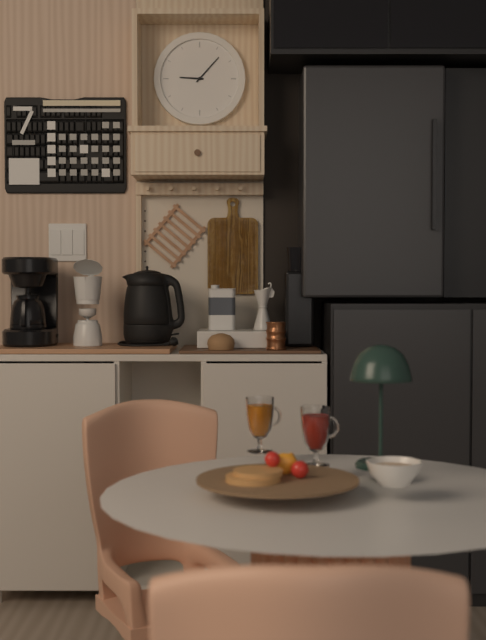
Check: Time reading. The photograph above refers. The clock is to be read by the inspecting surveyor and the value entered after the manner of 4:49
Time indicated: 9:07
